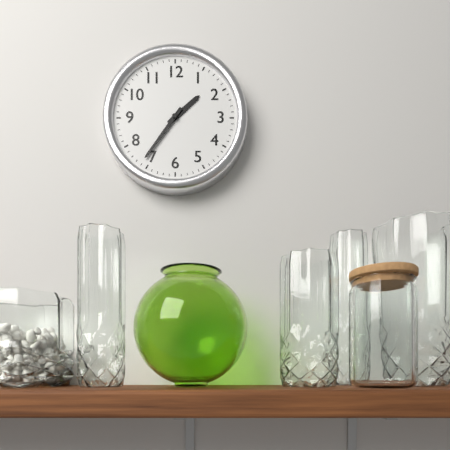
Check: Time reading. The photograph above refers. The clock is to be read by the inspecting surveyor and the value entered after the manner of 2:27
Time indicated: 1:36
